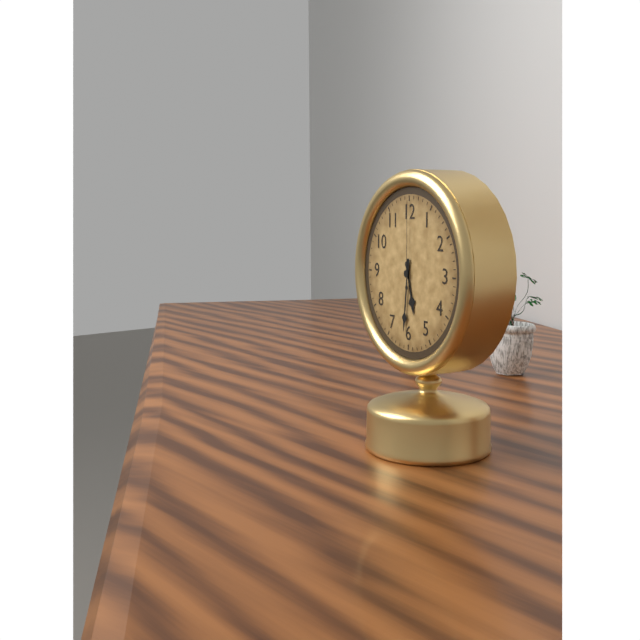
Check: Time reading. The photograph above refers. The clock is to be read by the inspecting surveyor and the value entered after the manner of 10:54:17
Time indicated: 5:31:00
